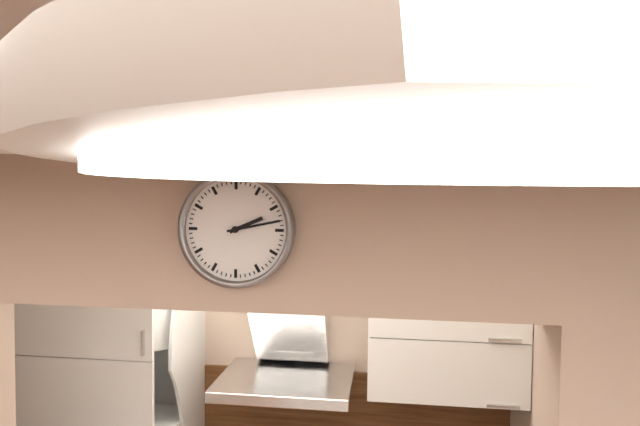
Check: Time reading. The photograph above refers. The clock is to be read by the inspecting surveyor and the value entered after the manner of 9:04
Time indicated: 2:13
